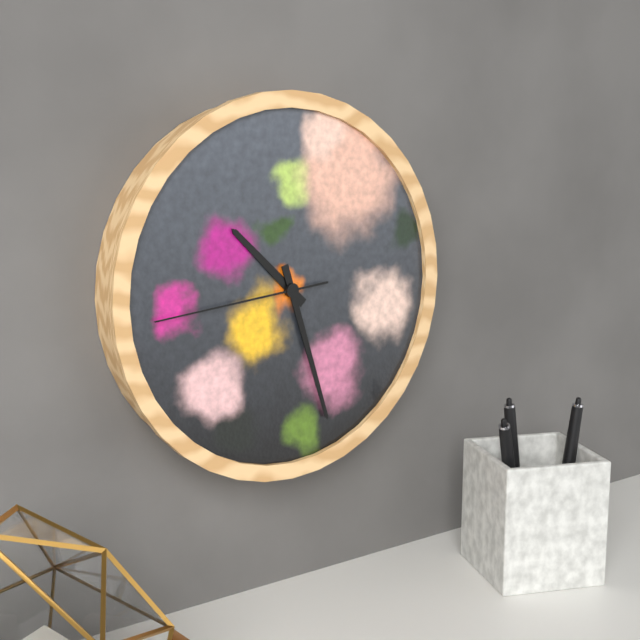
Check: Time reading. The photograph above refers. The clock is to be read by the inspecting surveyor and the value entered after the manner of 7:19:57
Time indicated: 10:27:44
